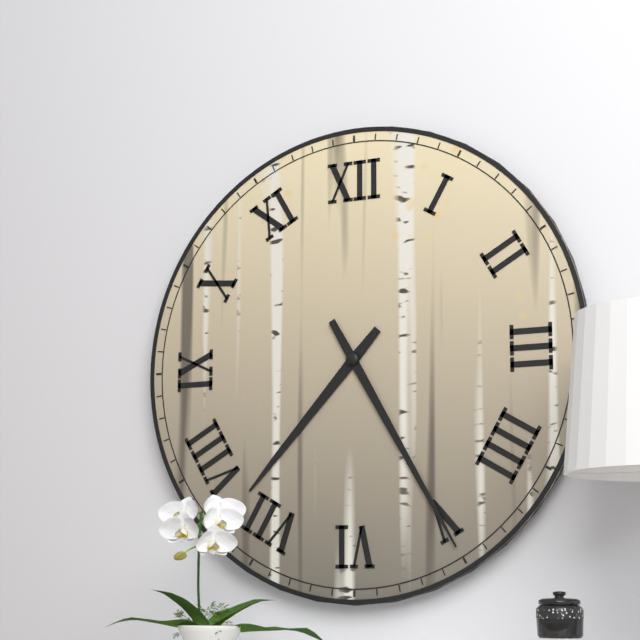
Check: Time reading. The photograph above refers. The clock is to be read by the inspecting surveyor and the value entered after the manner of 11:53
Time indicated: 7:25
